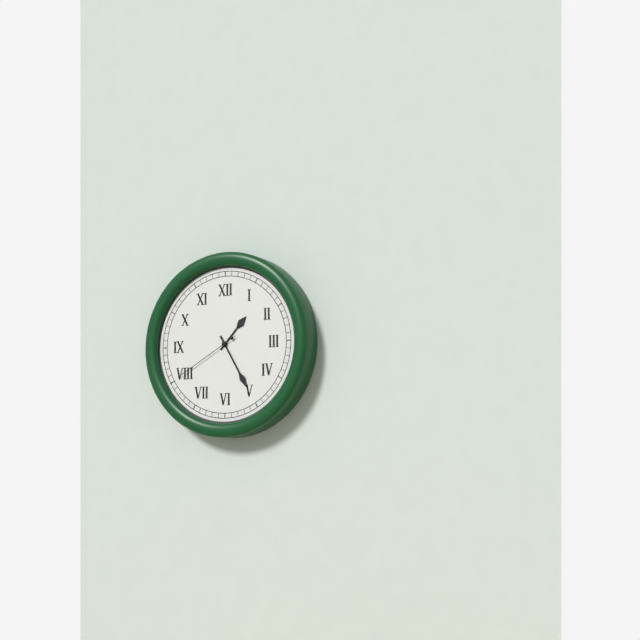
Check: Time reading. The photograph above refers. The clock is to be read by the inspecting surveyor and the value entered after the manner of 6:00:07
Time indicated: 1:25:40
